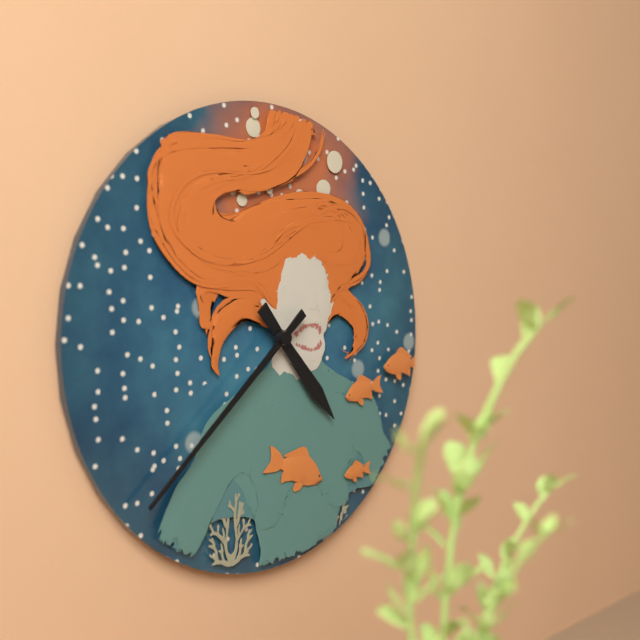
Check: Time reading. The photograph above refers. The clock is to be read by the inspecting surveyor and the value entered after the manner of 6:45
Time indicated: 4:38
